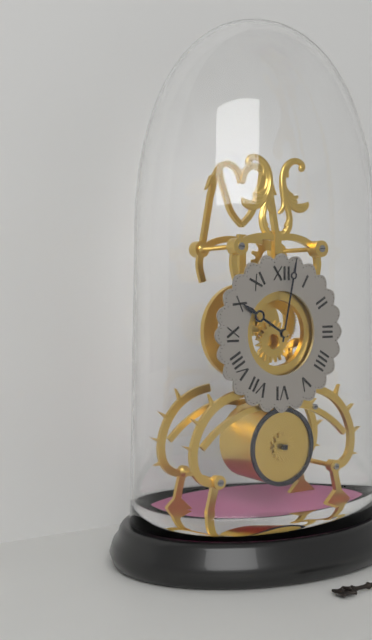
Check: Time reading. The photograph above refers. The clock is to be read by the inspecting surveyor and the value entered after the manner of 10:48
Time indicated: 10:02
